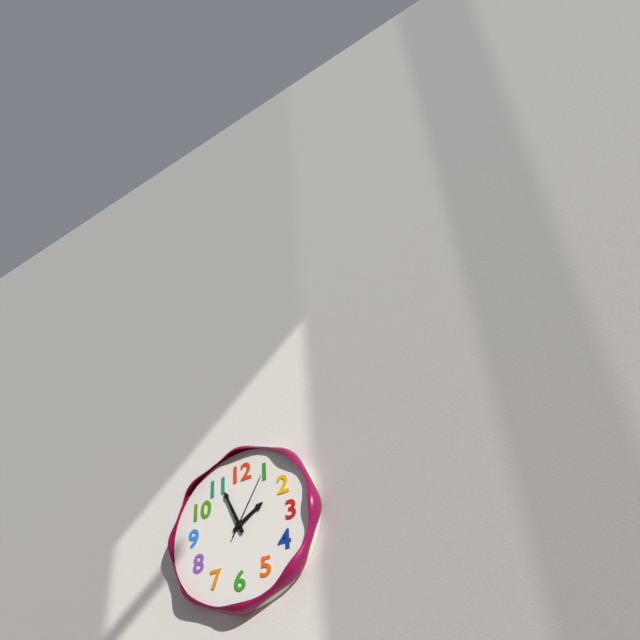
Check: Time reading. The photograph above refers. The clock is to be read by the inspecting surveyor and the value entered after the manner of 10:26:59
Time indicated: 1:56:05
